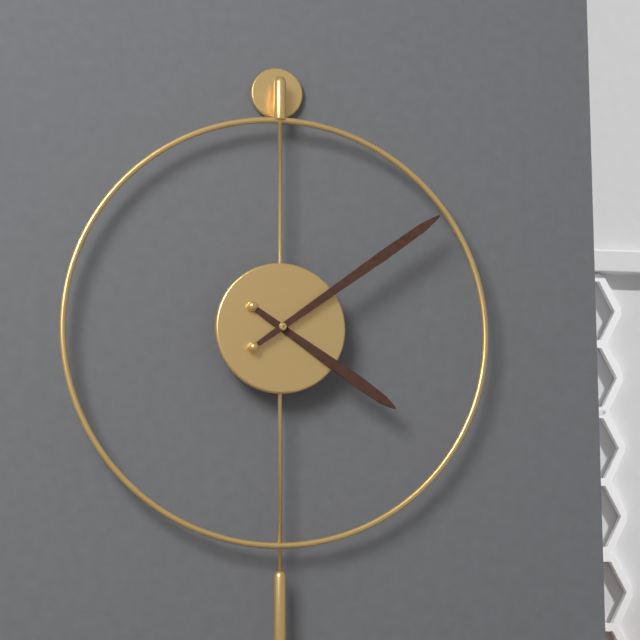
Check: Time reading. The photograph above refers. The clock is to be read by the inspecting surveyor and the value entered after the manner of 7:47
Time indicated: 4:09
